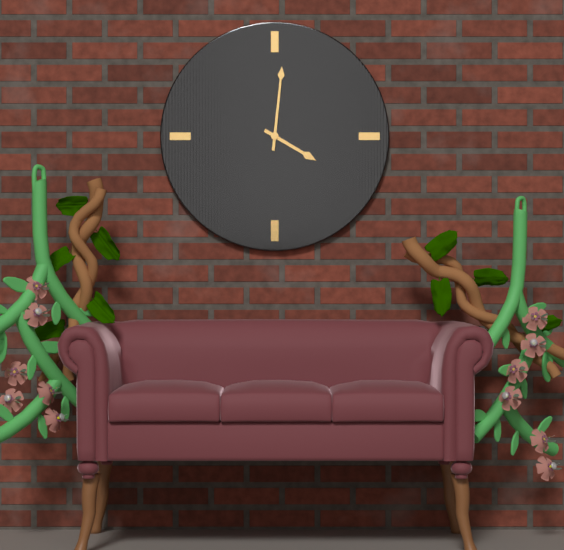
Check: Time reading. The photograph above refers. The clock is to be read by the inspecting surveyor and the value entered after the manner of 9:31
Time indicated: 4:01
